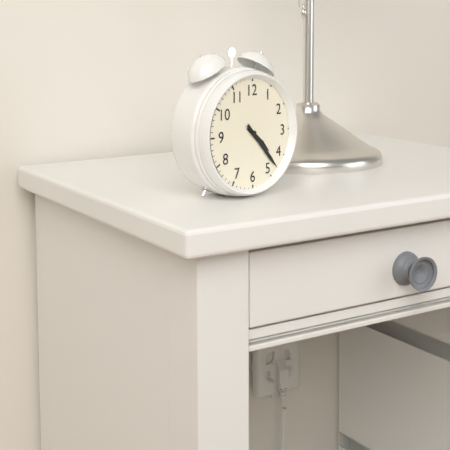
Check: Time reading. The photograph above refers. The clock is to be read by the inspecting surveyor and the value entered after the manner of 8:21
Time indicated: 4:23
